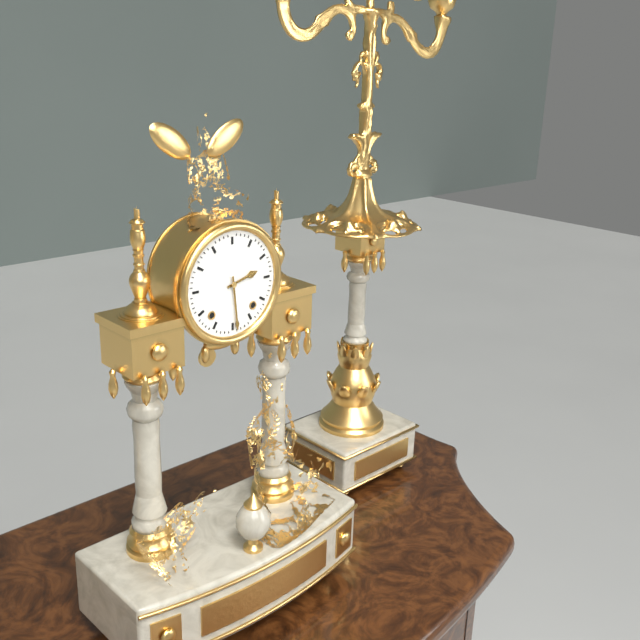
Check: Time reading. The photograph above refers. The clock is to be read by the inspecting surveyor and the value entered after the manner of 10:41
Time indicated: 2:29
